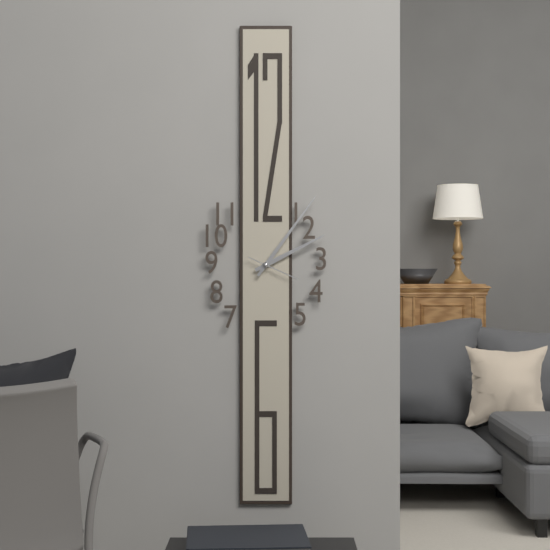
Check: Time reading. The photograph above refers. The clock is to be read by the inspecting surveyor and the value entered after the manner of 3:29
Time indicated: 2:06
